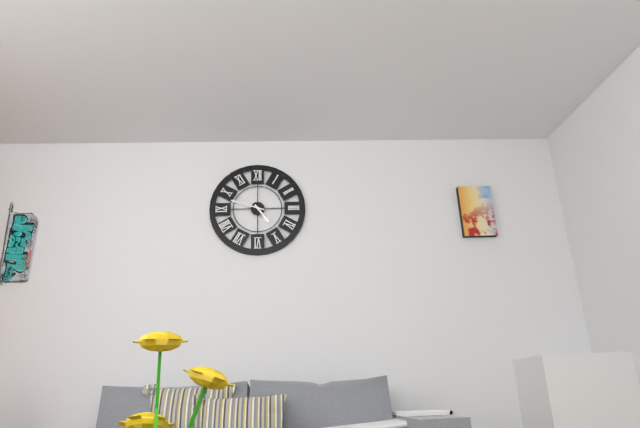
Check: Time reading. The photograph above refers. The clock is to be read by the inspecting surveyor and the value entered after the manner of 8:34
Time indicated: 4:48
